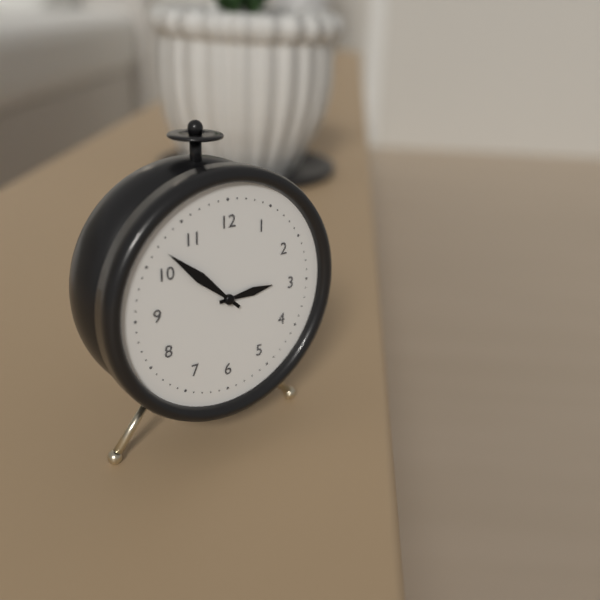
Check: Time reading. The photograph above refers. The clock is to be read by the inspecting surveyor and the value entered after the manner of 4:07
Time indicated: 2:52
